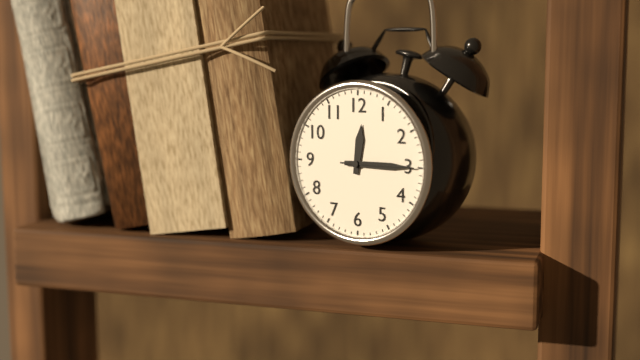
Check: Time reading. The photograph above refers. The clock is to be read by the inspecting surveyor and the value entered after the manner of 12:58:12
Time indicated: 12:15:15
